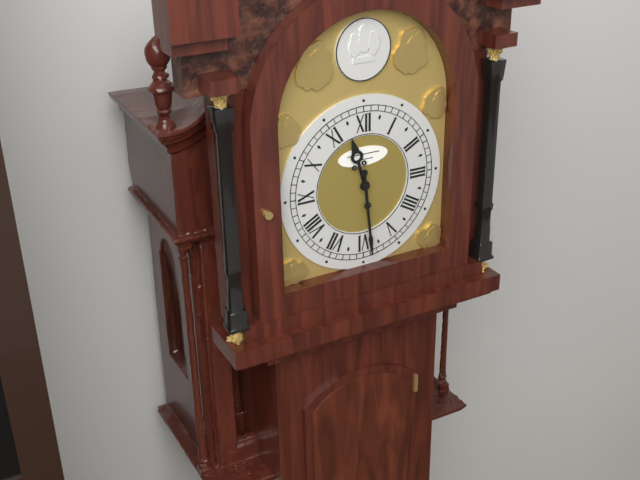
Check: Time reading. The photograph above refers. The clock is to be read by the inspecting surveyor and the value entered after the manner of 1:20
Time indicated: 11:29
